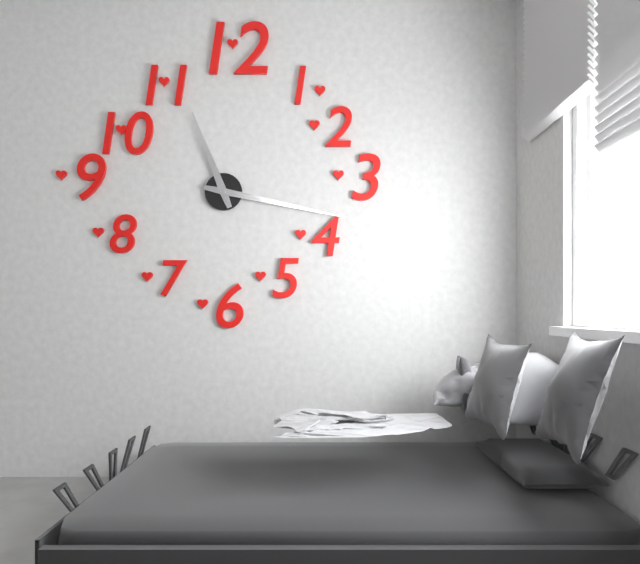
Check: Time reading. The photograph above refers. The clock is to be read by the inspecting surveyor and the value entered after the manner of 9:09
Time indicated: 11:17
